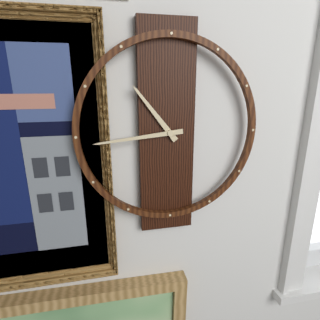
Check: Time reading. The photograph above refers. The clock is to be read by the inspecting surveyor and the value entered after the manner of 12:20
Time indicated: 10:44
